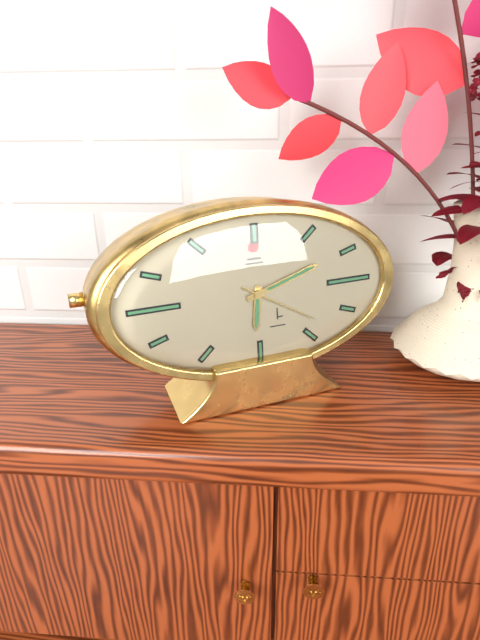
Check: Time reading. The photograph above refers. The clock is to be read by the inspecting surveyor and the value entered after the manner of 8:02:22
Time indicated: 6:12:20
